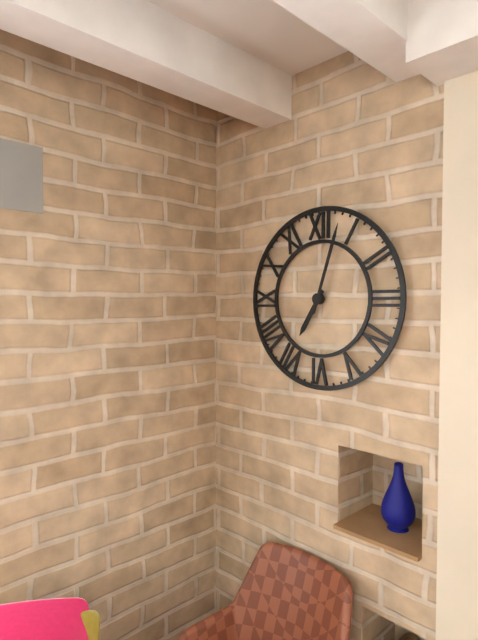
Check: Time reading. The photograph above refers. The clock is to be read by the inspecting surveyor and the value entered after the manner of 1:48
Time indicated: 7:03
